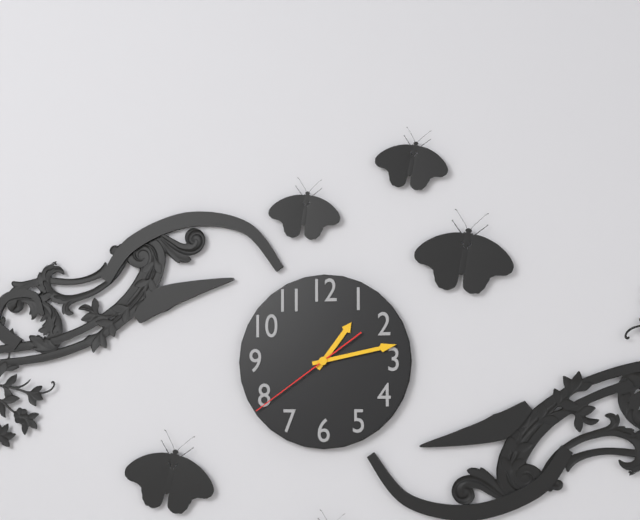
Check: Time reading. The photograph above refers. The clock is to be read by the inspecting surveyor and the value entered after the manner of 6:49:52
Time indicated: 1:13:39
